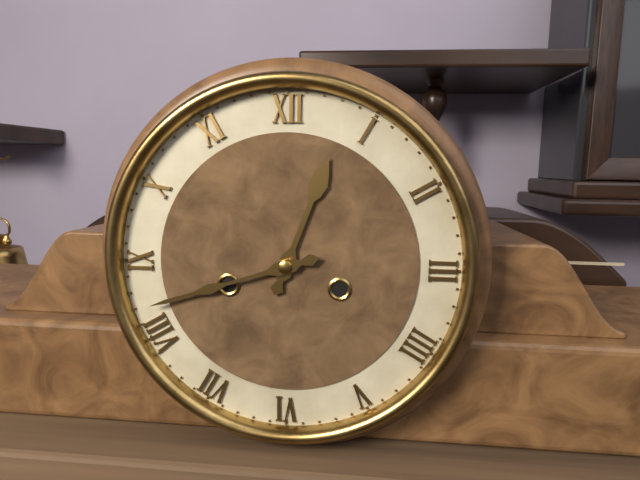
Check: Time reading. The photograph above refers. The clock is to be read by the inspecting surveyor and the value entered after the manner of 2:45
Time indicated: 12:42
